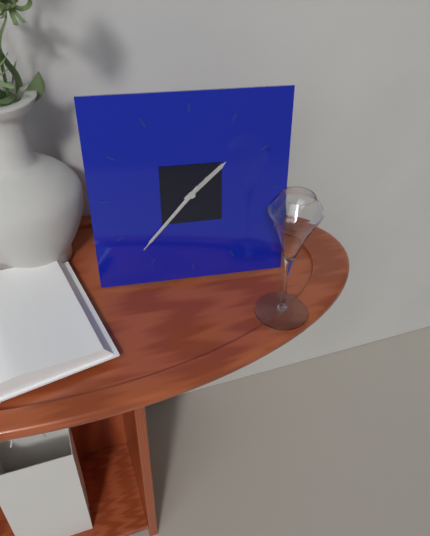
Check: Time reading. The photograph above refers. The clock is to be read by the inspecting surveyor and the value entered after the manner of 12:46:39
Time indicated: 1:37:37
